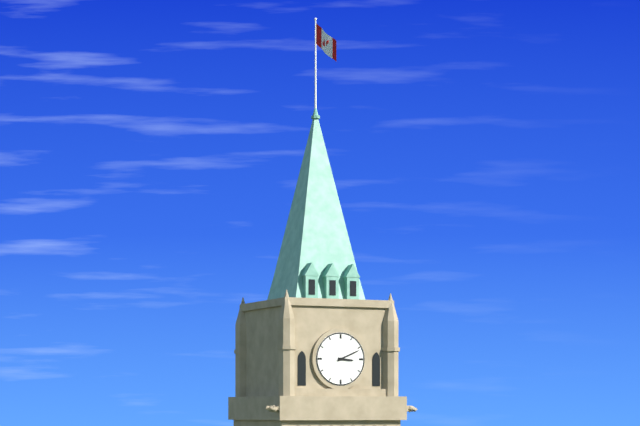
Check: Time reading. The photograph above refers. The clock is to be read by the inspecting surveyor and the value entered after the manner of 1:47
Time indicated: 3:11
